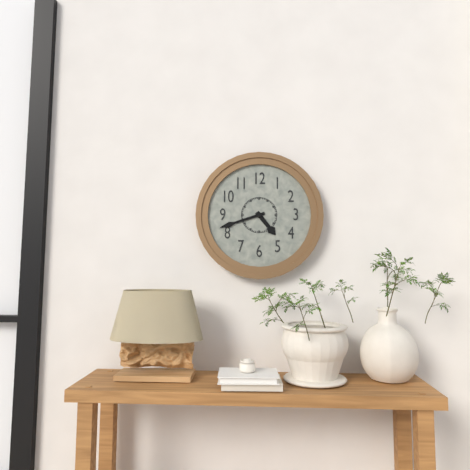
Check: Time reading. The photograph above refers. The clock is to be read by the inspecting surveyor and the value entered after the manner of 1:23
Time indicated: 4:42
